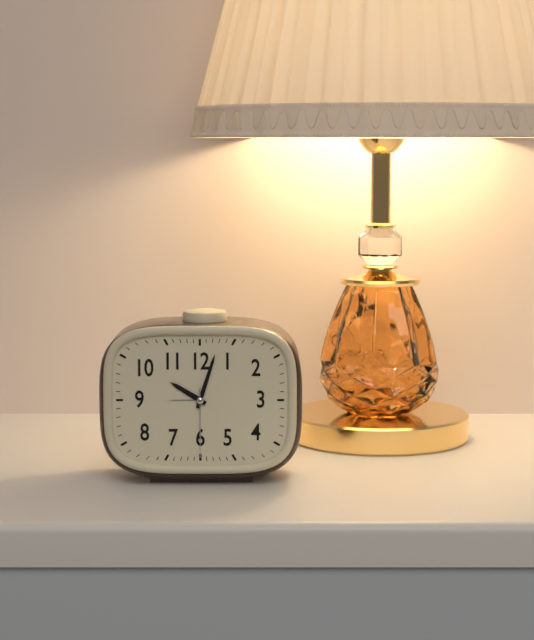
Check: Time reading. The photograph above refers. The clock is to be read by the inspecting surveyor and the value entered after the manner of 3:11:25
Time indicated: 10:03:30
